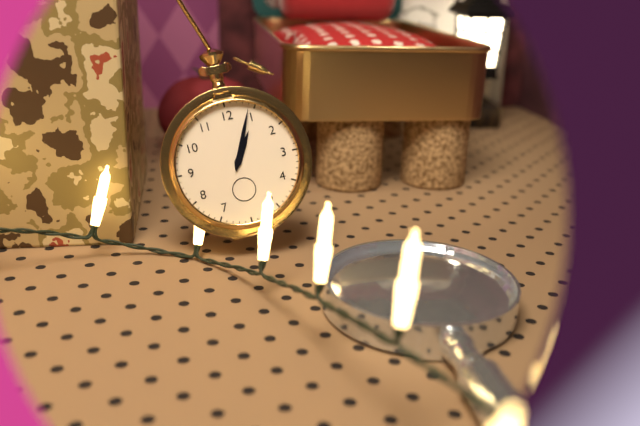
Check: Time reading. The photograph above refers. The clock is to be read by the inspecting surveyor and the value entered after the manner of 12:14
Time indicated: 1:04
